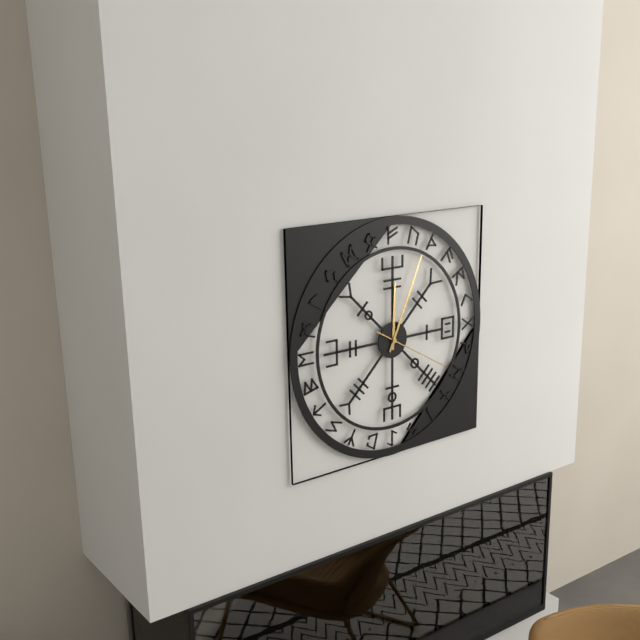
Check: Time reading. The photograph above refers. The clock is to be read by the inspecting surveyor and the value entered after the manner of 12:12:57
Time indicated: 12:04:20
